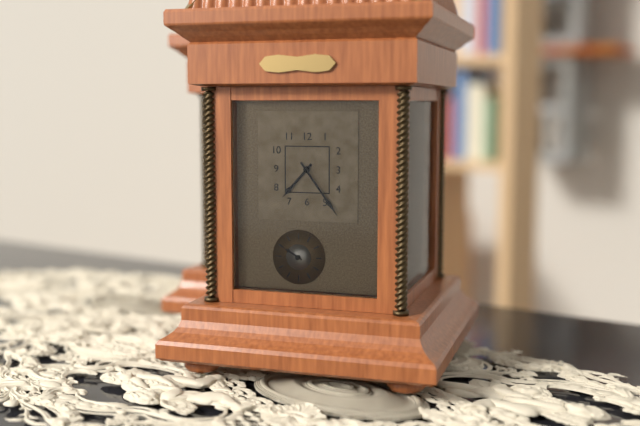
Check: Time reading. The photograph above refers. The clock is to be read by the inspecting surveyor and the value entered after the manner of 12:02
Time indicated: 7:24
